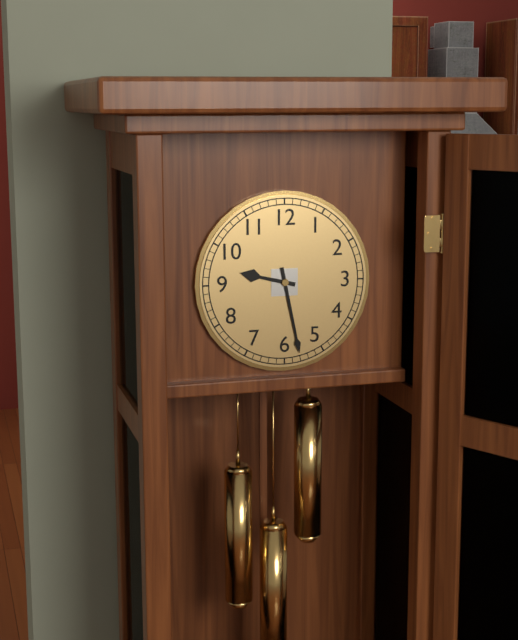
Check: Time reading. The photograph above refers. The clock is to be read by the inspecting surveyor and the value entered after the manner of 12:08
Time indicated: 9:28
